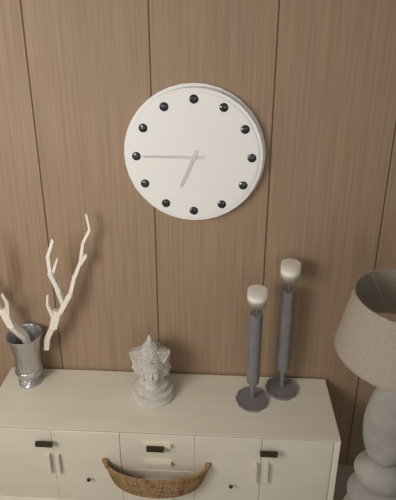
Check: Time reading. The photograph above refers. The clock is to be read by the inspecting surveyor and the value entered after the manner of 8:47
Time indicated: 6:45
